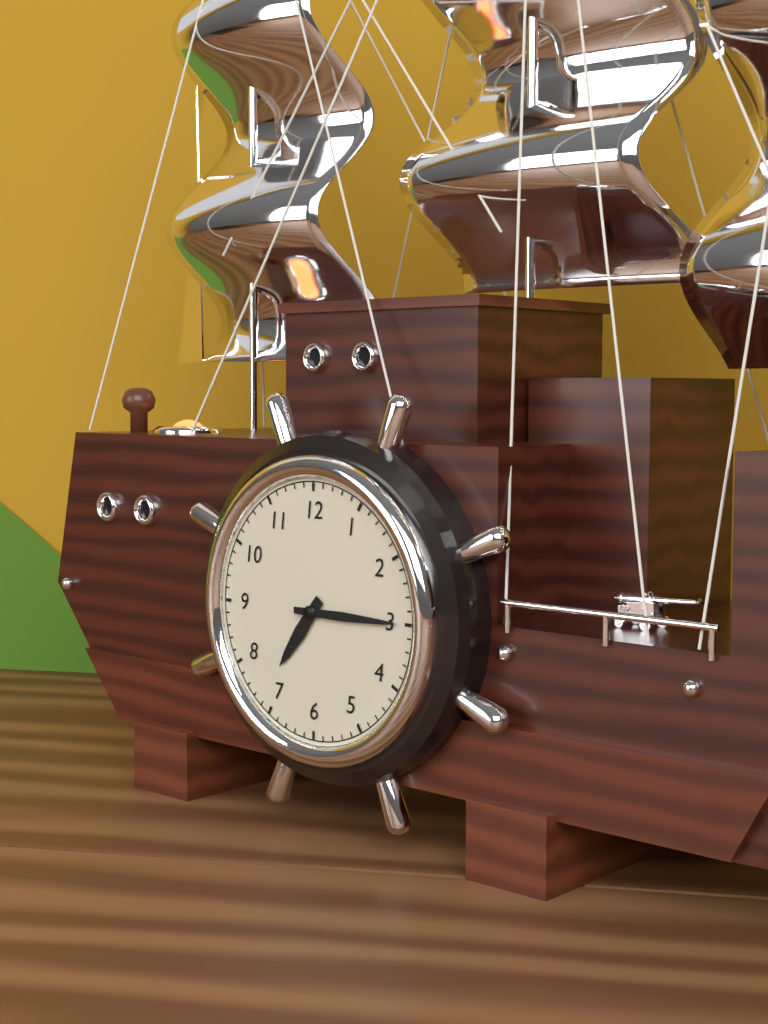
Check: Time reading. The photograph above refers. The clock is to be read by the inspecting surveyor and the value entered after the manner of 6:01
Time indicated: 7:15
